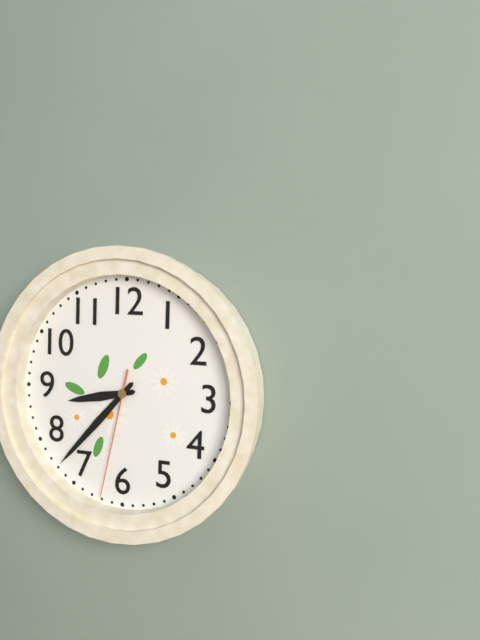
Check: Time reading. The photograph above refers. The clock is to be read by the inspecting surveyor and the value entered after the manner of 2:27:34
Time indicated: 8:37:32
